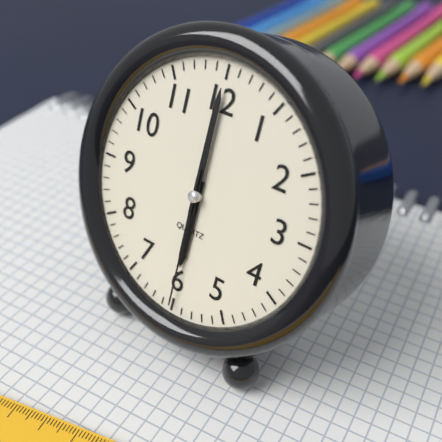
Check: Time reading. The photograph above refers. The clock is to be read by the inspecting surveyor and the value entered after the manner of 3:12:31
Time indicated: 6:00:30
